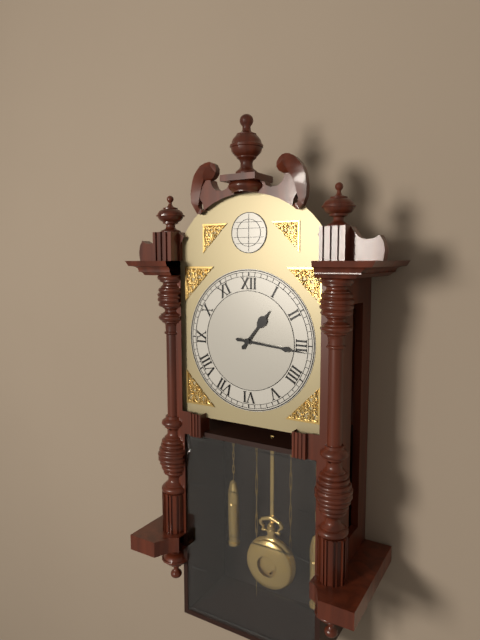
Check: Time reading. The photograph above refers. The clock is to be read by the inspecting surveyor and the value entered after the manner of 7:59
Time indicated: 1:16
